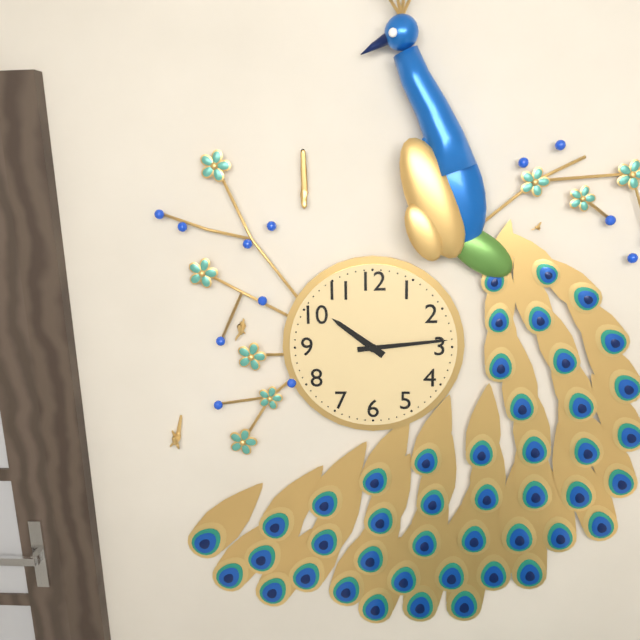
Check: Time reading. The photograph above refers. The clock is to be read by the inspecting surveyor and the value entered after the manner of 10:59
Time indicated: 10:14
